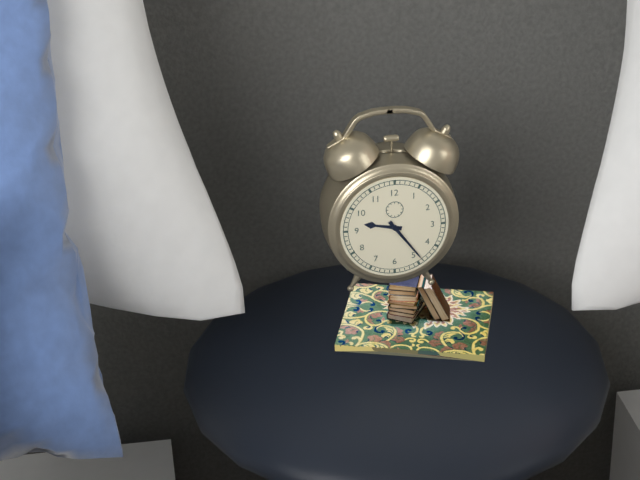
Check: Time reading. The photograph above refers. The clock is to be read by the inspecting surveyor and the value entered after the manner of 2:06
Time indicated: 9:24
